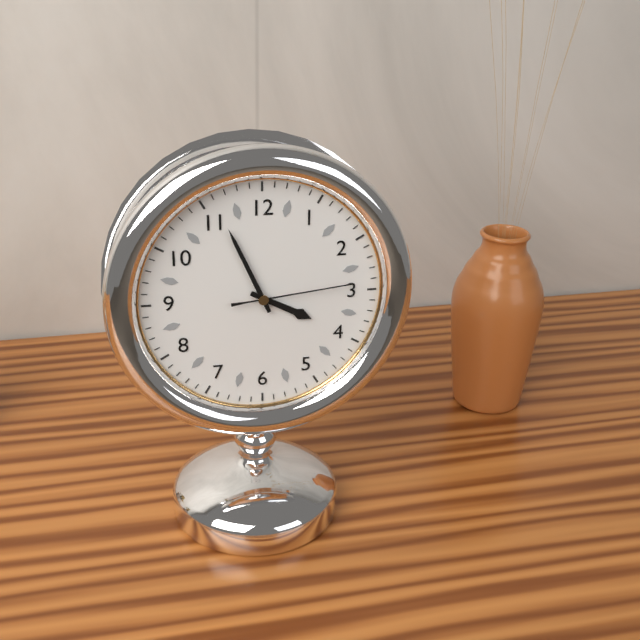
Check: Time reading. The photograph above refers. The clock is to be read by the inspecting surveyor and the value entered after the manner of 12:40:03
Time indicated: 3:56:14
